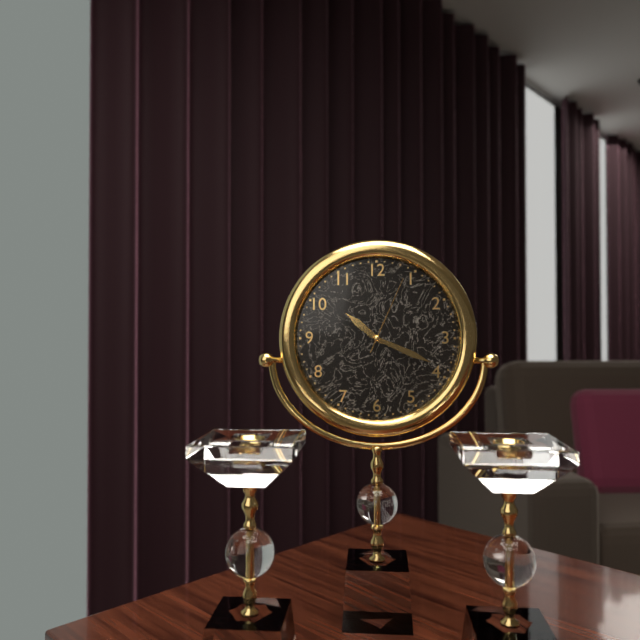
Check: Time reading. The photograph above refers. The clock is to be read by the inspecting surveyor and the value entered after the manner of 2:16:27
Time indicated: 10:19:04
